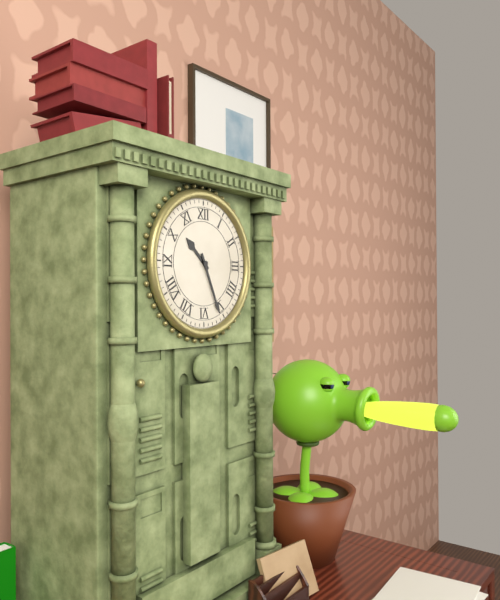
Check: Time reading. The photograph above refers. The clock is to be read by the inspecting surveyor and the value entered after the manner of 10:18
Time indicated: 10:26
